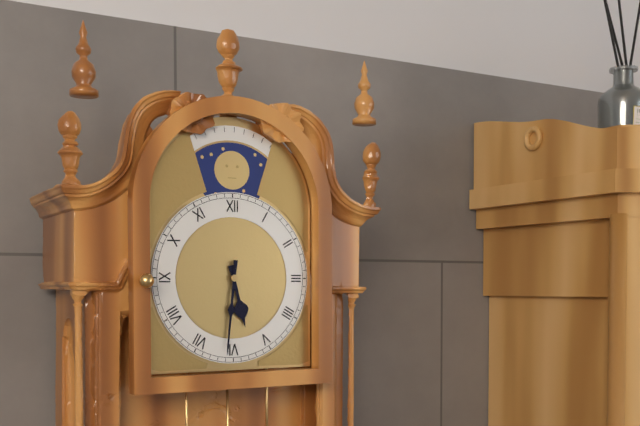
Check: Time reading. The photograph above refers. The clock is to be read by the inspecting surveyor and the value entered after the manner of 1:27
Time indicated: 5:31
